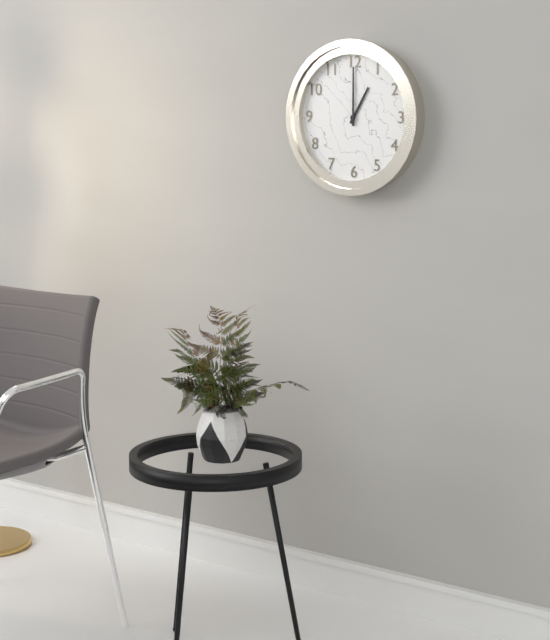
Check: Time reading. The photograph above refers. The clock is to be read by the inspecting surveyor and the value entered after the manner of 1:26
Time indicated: 1:00
